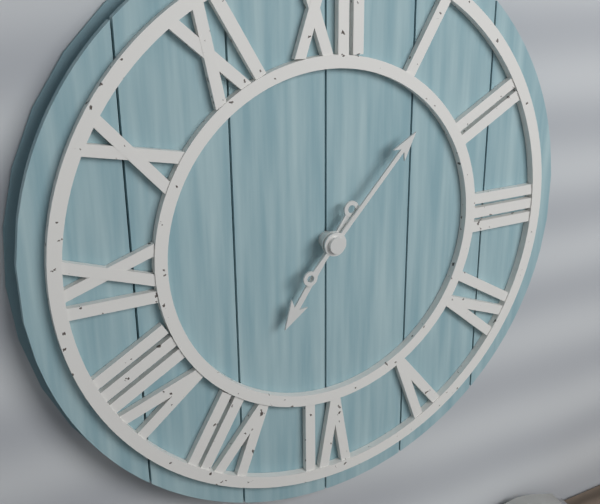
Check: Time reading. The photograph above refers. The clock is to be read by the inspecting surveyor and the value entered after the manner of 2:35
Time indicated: 7:07
